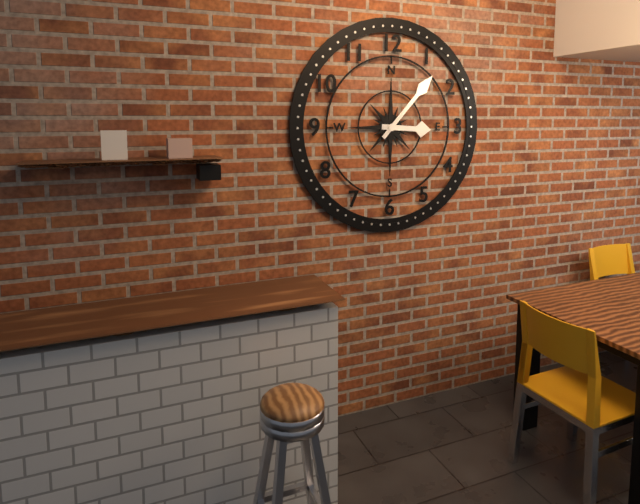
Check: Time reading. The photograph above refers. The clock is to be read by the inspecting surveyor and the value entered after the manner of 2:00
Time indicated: 3:07
